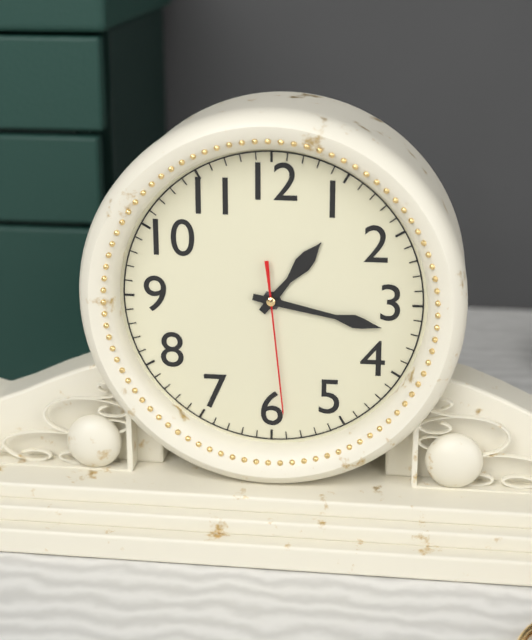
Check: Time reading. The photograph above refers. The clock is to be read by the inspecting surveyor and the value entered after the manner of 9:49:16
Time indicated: 1:17:29
